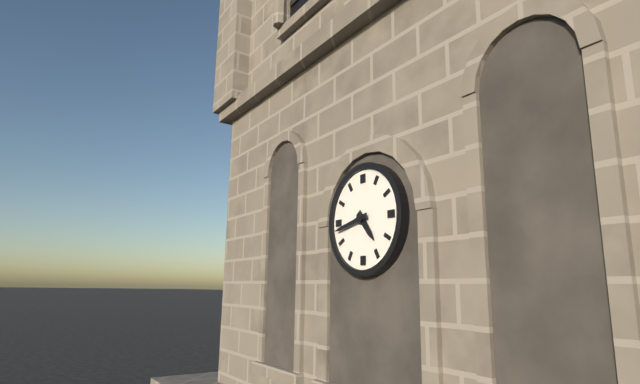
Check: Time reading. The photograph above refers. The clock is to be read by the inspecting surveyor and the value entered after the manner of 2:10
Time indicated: 4:43
